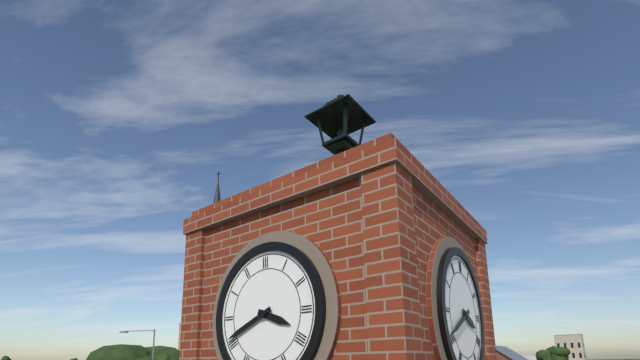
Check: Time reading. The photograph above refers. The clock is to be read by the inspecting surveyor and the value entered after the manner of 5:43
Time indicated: 3:41
